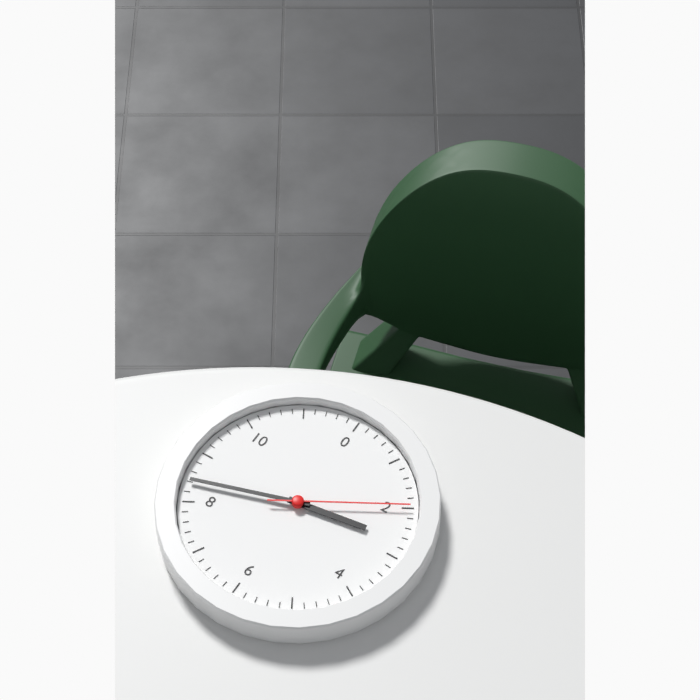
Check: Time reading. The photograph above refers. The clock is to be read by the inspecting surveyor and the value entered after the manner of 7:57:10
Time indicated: 2:42:10
